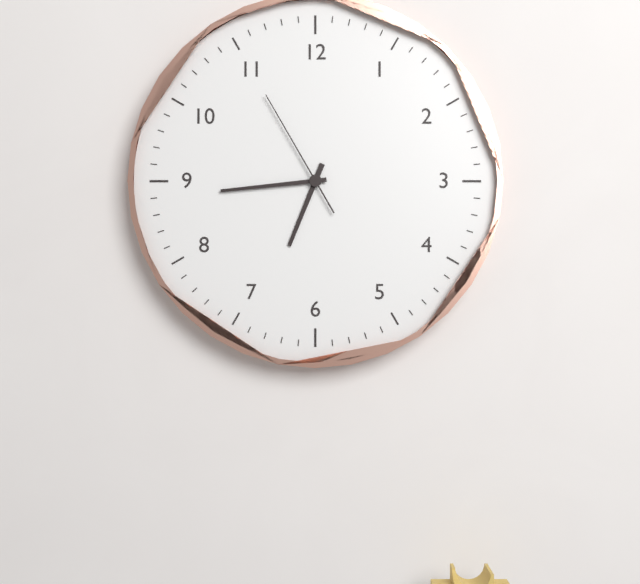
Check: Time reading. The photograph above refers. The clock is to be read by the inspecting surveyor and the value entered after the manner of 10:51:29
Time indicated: 6:44:55
